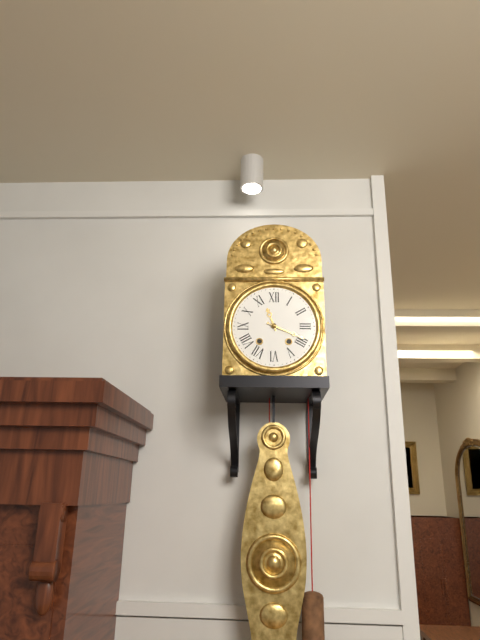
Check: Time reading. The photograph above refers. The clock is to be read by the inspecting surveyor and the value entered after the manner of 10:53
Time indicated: 11:19
